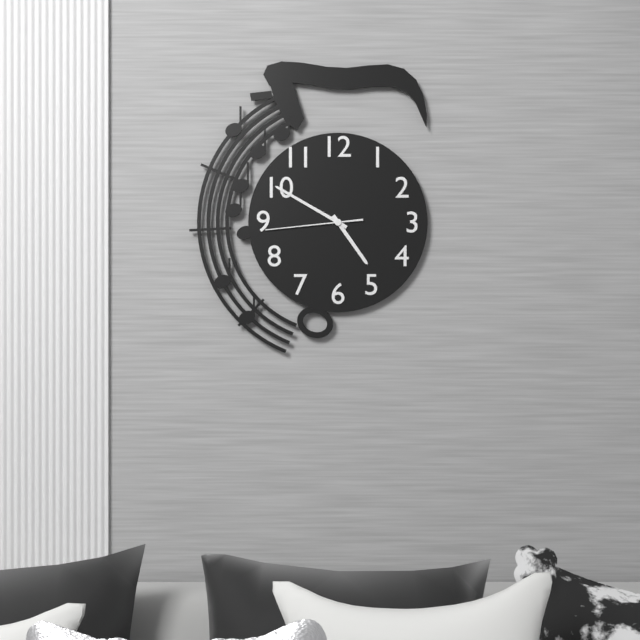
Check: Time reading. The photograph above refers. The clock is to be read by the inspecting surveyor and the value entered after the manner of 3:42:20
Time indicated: 4:50:44
